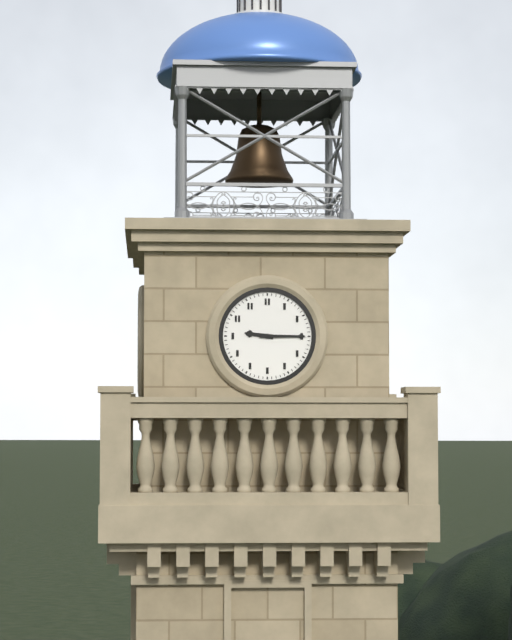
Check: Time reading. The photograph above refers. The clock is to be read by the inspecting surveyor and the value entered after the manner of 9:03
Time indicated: 9:15
